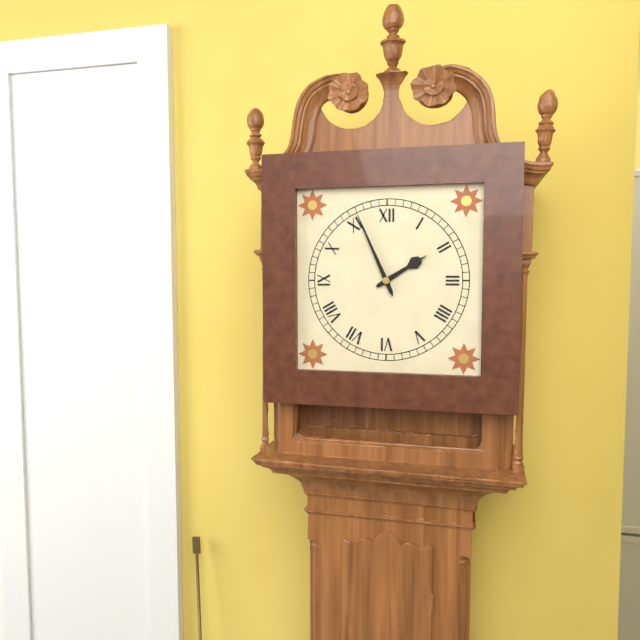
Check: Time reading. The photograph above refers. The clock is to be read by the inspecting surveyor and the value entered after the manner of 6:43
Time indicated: 1:56
